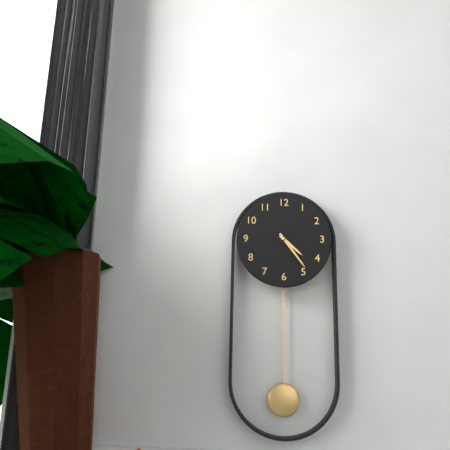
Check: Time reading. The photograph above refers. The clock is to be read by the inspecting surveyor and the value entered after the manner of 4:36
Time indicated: 4:24
